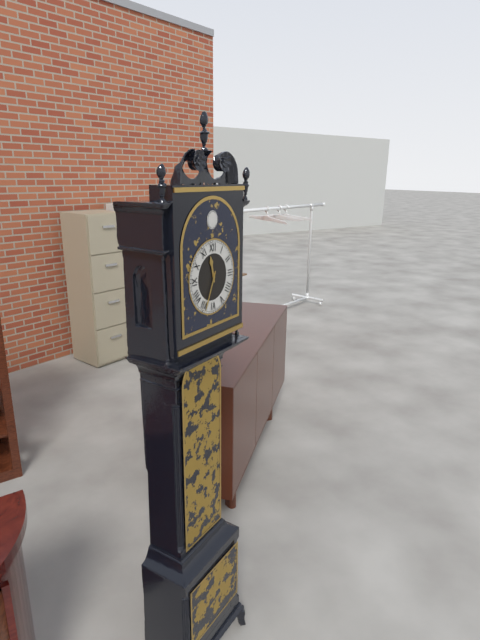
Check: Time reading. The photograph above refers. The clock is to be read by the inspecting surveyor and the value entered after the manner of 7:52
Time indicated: 11:34
